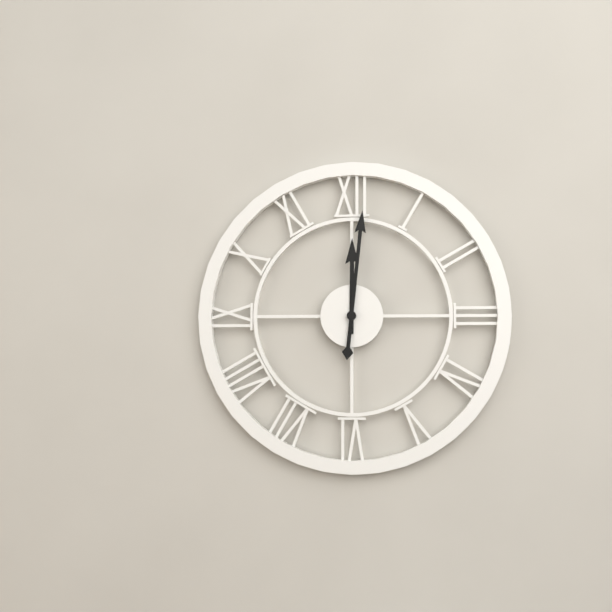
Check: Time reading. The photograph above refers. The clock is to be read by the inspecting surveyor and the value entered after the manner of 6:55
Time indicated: 12:01
